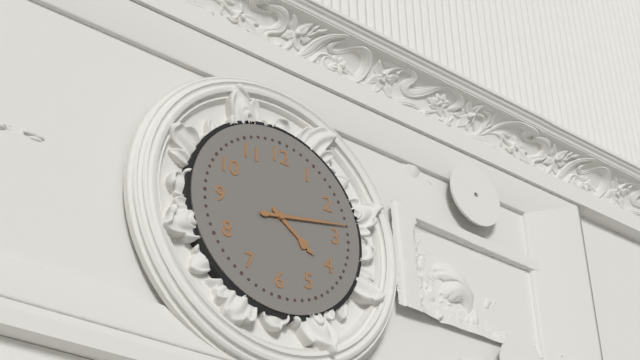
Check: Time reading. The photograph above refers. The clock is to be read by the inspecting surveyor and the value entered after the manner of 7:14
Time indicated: 4:13
